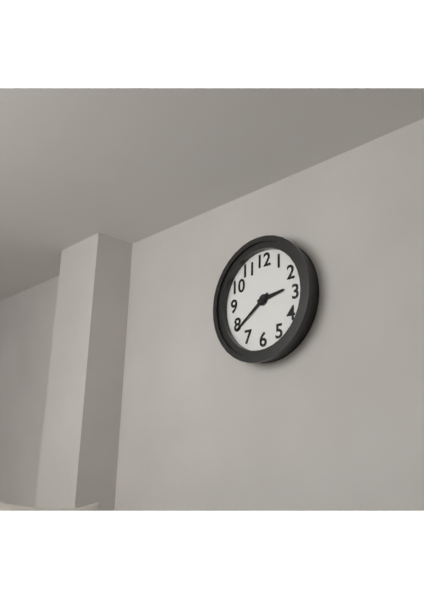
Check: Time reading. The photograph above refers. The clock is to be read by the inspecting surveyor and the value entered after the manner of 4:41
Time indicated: 2:39
